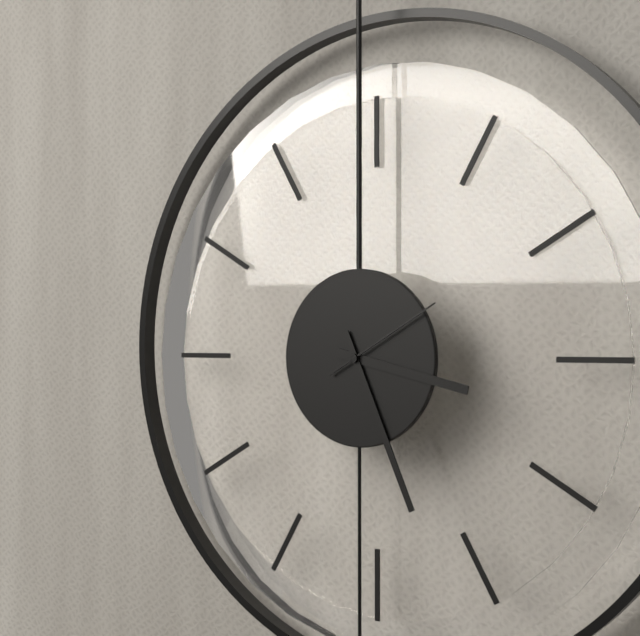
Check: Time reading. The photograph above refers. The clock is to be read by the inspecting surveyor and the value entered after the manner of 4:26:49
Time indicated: 3:26:10
